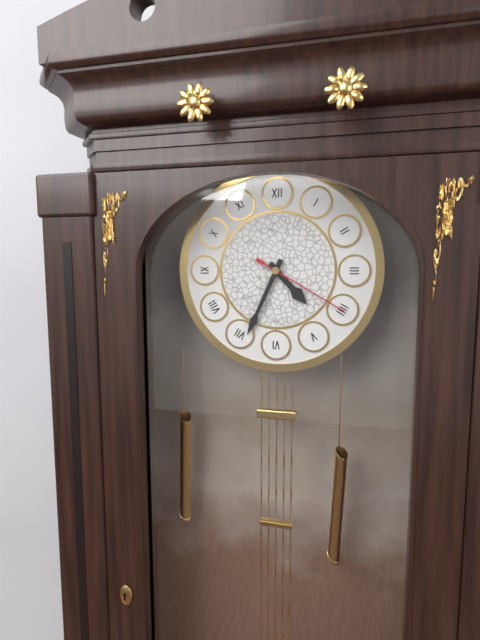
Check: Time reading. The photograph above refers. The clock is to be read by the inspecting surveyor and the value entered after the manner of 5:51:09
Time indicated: 4:34:20
